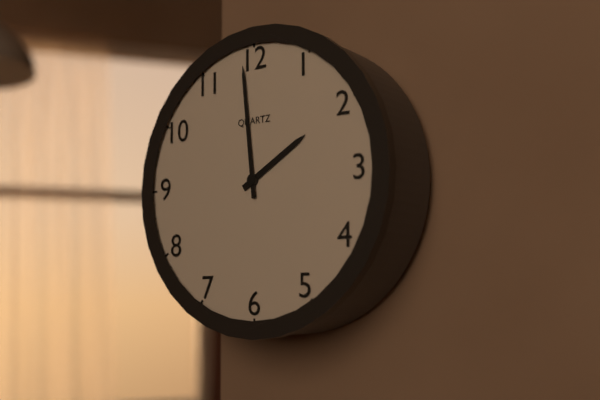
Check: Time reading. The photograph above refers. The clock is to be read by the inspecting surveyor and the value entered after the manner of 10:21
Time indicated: 1:59
